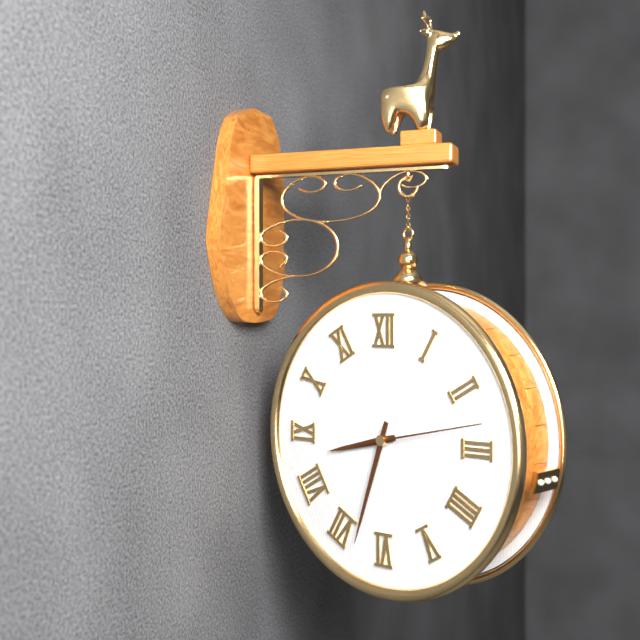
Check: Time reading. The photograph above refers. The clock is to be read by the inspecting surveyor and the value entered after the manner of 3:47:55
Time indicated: 8:33:13
